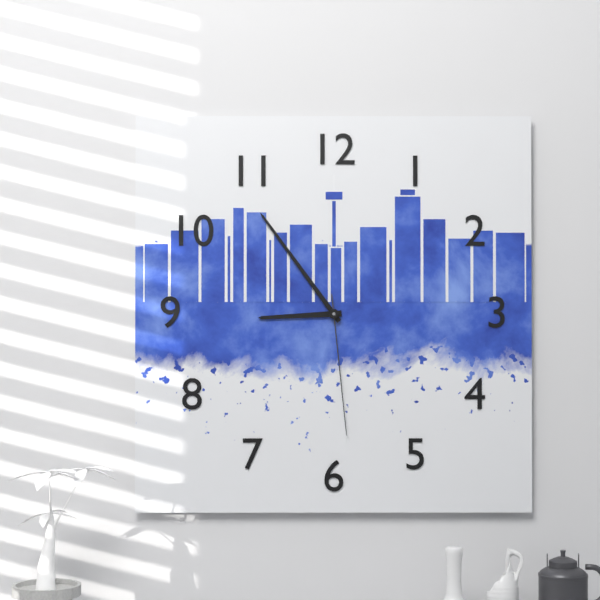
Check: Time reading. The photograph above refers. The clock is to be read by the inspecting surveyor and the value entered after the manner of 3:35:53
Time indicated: 8:54:29
